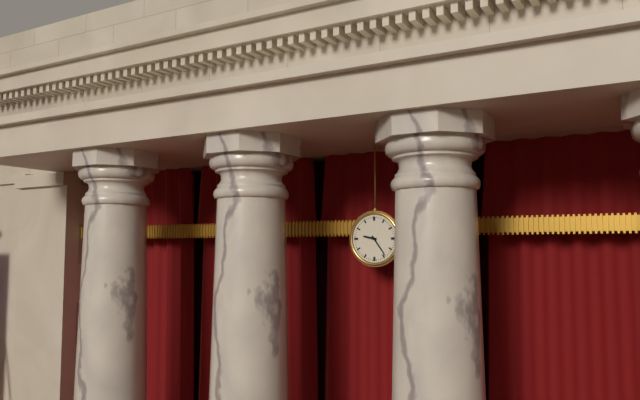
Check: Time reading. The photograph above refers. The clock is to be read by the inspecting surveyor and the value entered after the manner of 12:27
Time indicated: 9:24
